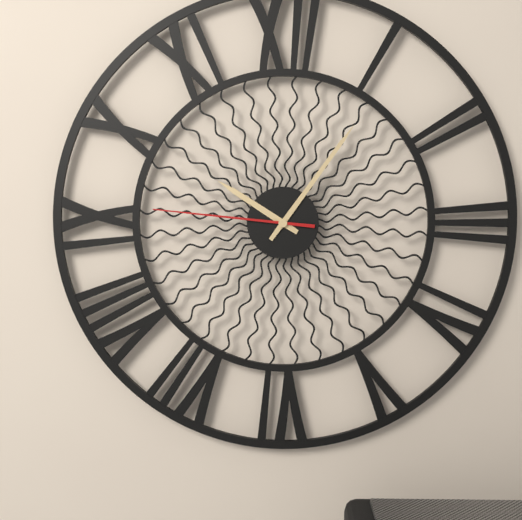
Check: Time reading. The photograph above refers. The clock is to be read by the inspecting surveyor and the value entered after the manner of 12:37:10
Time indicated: 10:06:46
